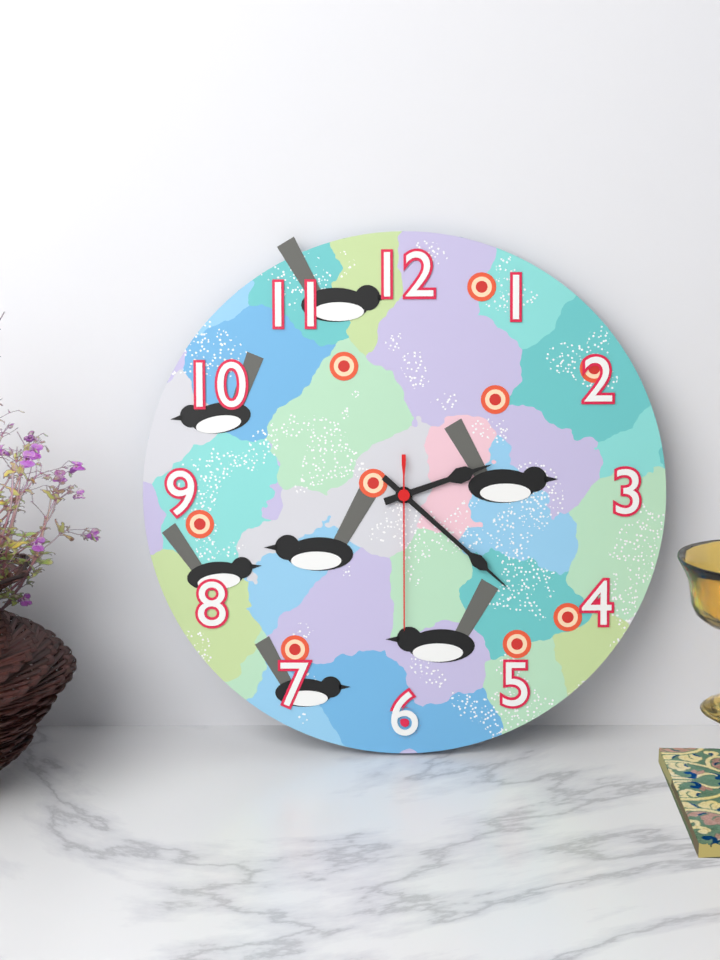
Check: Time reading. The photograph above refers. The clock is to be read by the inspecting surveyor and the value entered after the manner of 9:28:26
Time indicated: 2:22:30
